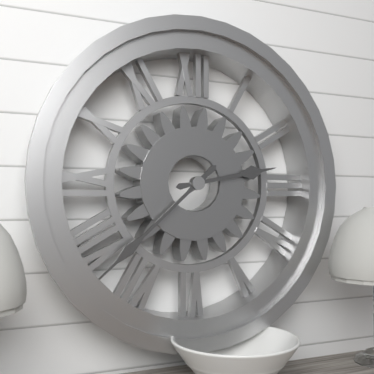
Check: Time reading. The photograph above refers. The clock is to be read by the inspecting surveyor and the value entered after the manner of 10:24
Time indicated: 2:38
